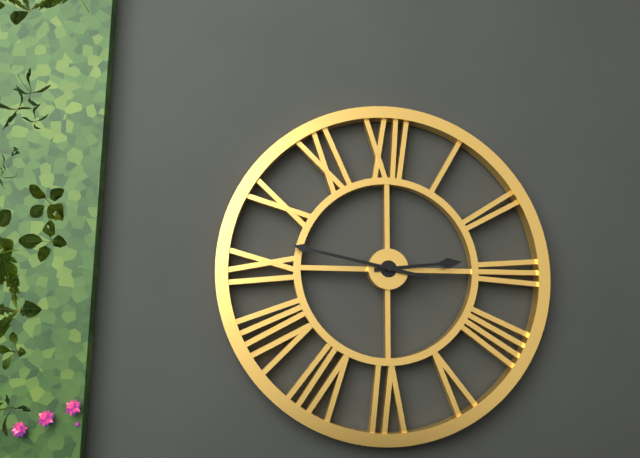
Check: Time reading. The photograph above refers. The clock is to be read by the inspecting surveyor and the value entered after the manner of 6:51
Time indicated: 2:47
